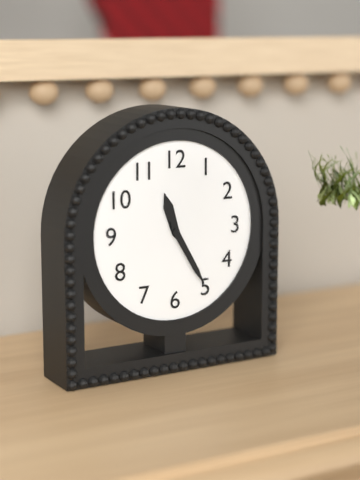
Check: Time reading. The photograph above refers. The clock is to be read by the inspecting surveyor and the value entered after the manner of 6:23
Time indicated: 11:25
